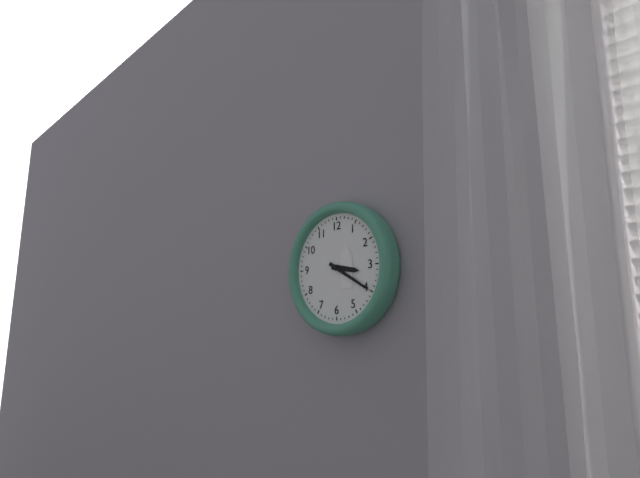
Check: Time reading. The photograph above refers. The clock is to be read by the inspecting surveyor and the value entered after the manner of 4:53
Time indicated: 3:20
